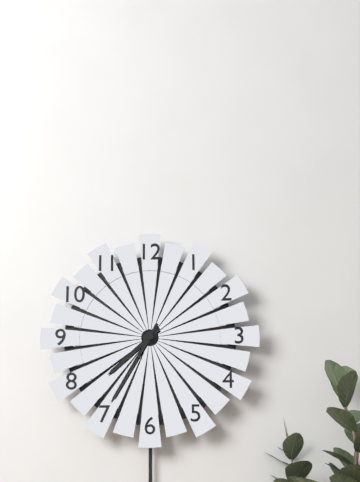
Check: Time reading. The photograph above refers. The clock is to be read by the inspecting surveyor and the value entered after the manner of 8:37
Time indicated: 7:35
